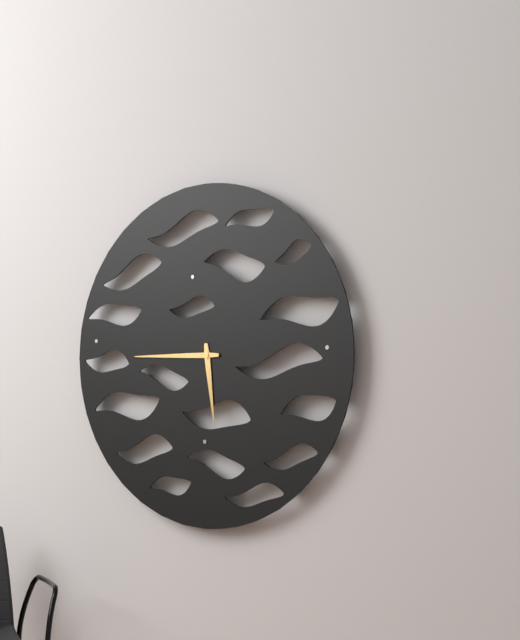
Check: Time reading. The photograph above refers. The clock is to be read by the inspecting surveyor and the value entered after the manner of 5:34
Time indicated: 5:45
